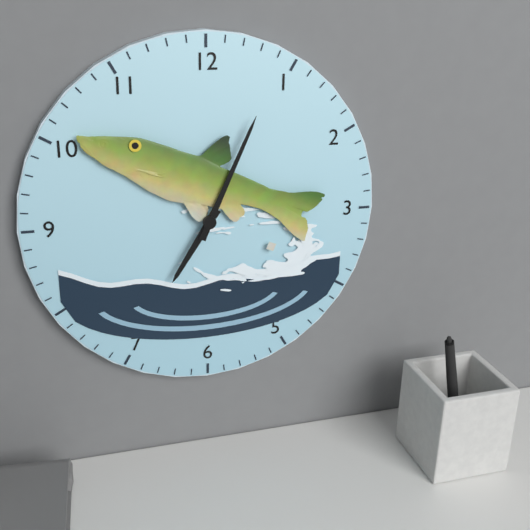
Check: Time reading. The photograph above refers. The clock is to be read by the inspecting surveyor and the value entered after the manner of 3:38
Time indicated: 7:04
